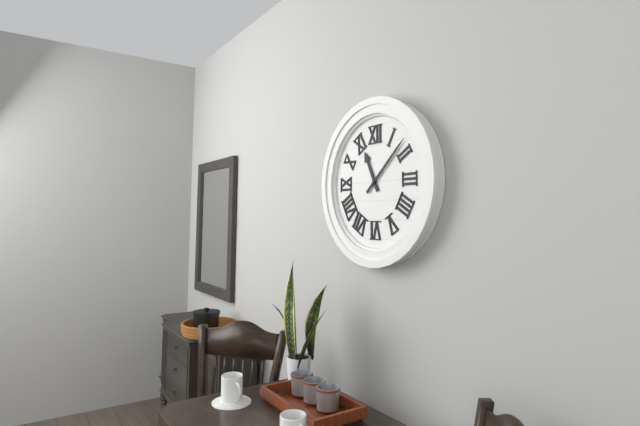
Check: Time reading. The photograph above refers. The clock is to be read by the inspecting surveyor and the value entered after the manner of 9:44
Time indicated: 11:08
